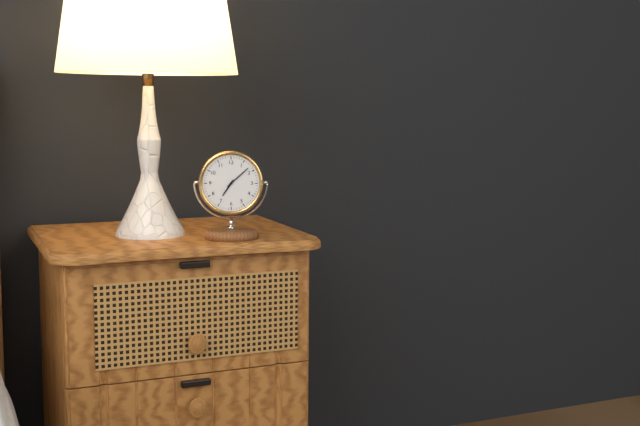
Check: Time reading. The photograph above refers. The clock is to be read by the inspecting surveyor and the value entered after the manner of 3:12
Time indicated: 7:08
